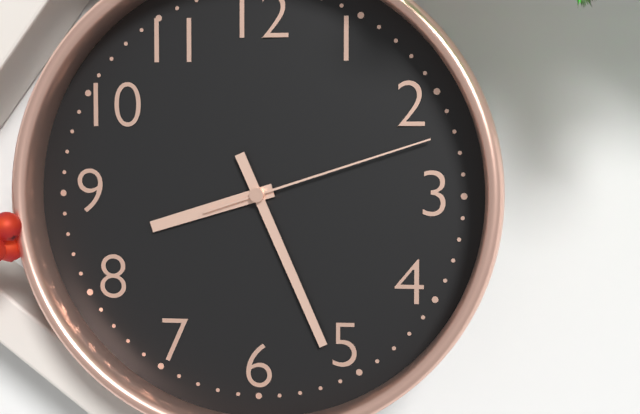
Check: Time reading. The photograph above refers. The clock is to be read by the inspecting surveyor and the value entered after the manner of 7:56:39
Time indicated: 8:26:12
